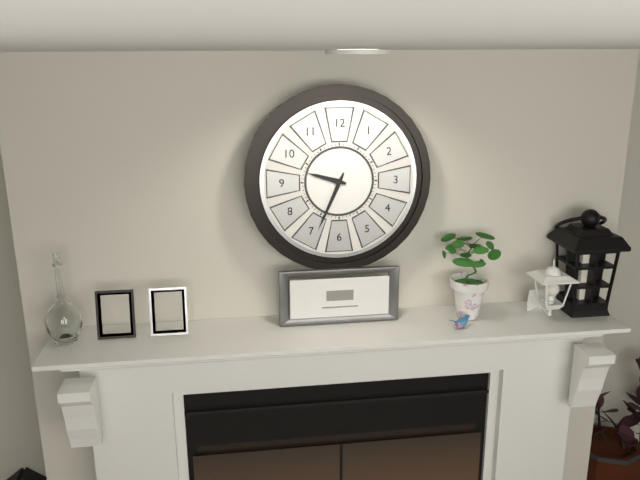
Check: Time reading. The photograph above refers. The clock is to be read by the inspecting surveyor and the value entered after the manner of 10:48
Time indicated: 9:34
